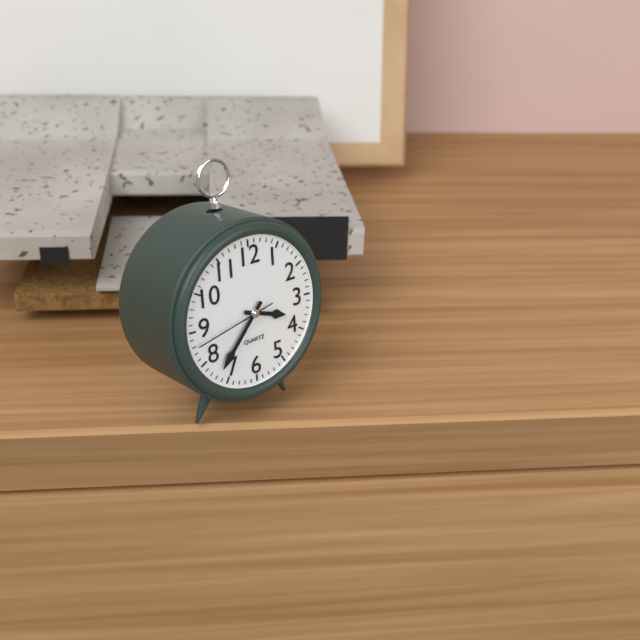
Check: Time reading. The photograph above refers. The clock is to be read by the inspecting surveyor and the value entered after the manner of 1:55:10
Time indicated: 3:37:43
